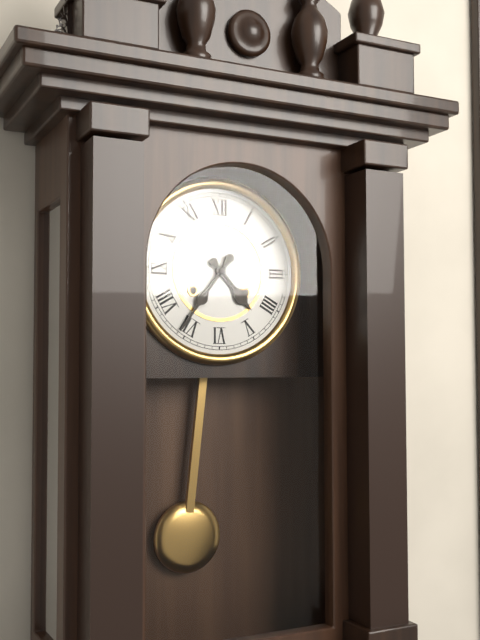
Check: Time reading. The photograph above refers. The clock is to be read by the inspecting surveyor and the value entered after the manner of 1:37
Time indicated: 4:36
